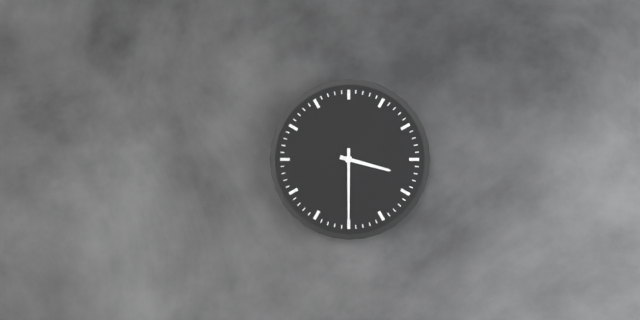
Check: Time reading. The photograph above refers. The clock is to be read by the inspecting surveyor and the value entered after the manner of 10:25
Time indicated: 3:30
